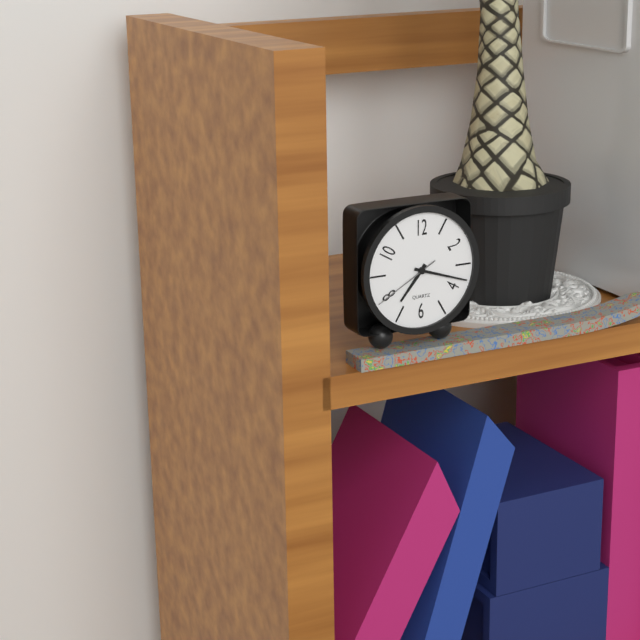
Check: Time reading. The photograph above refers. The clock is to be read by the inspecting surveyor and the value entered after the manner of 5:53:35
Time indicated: 7:18:40
